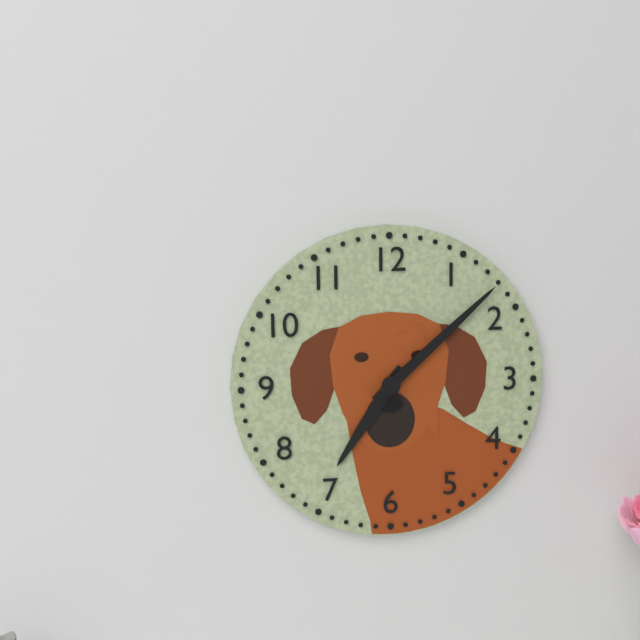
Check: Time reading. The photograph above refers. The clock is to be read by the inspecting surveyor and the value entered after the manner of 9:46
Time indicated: 7:08
